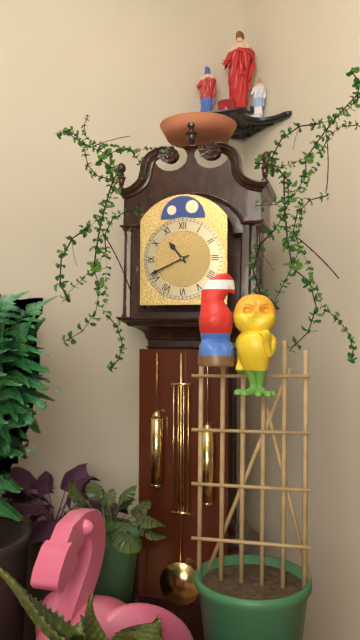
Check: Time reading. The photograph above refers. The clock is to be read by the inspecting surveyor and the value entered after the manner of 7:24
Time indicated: 10:41
